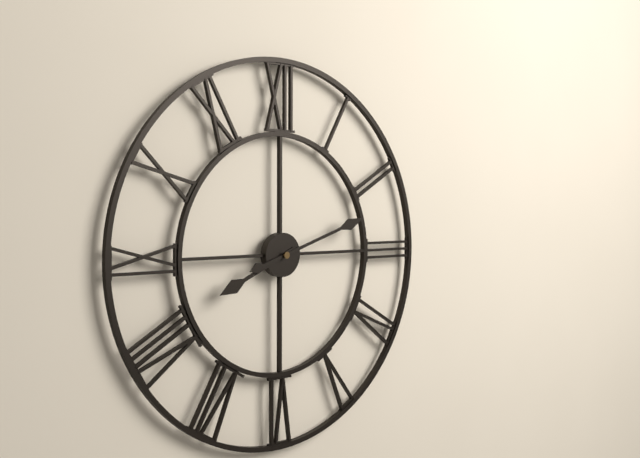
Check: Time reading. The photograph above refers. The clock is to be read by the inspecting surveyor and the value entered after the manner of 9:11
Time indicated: 8:12
